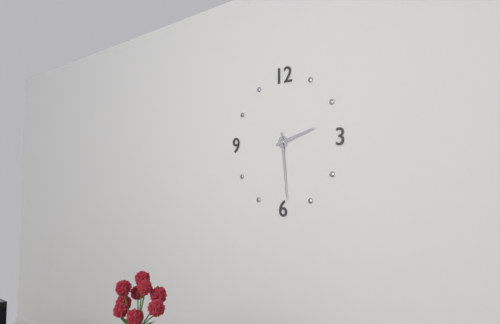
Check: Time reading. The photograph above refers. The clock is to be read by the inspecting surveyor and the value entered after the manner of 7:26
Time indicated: 2:29
